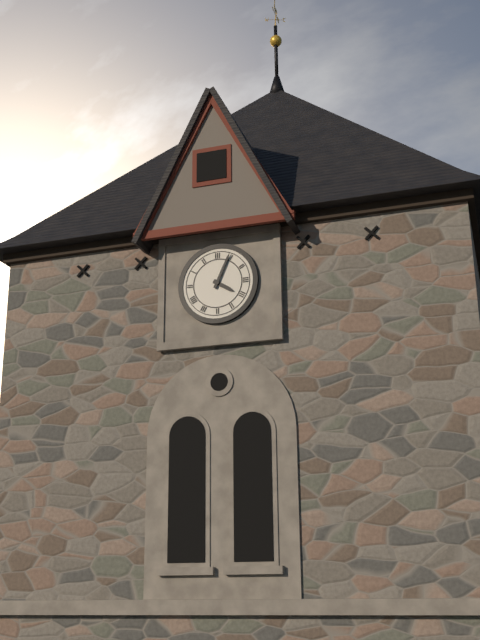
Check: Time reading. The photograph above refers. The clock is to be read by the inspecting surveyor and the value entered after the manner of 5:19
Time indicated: 4:04
